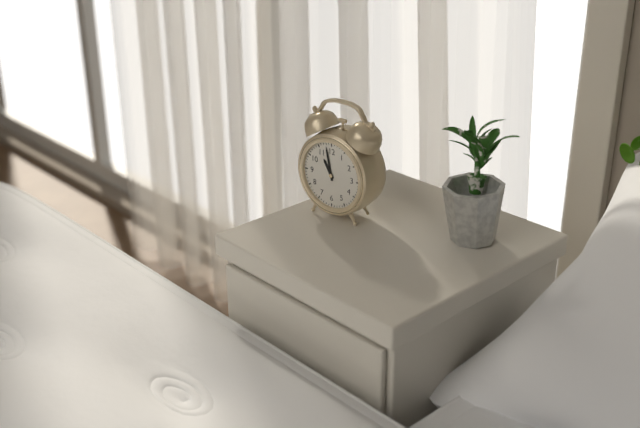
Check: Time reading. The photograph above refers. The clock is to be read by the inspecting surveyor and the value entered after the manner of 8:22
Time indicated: 10:58
